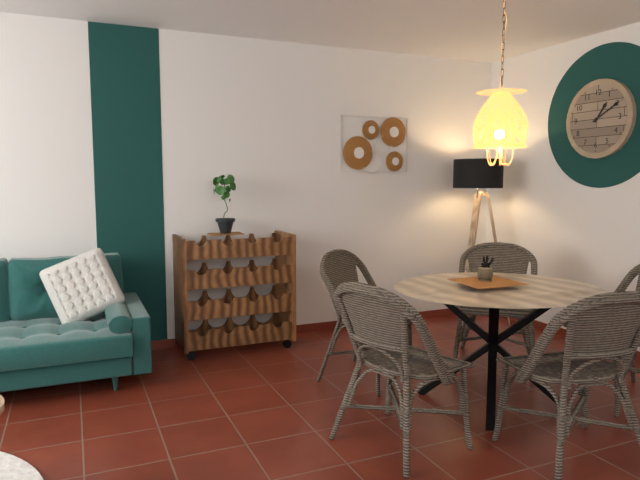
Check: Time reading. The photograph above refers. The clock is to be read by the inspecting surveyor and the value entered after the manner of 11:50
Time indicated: 1:10
